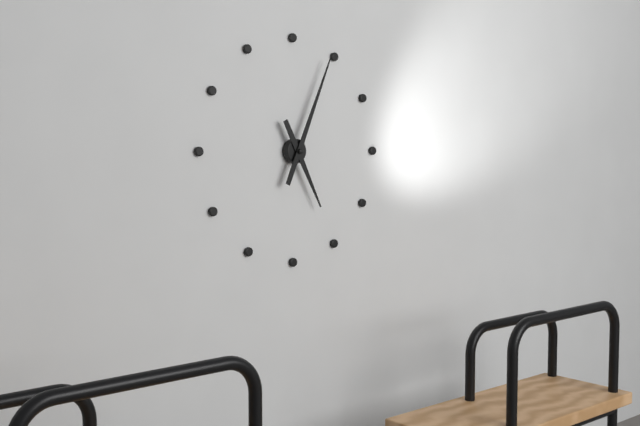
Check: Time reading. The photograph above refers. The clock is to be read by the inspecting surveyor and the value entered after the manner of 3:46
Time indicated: 5:04
